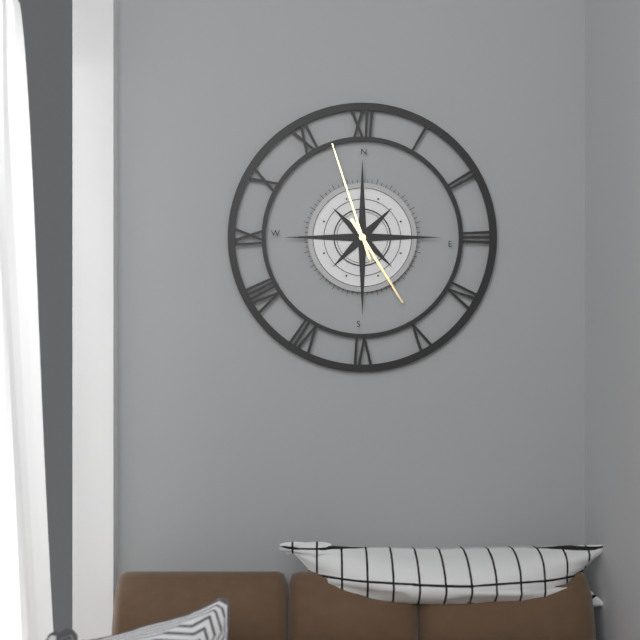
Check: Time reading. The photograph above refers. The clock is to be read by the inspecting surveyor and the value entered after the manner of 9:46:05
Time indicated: 4:57:57
